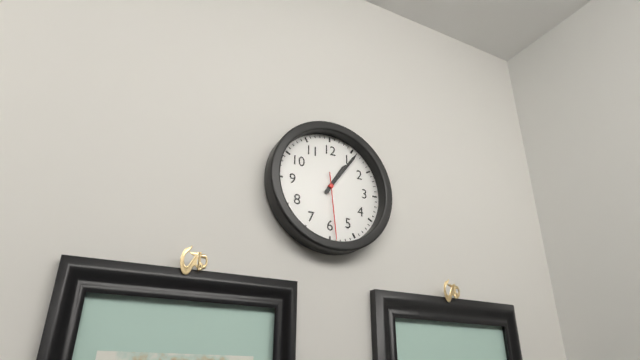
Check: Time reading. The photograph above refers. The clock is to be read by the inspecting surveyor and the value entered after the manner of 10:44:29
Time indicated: 1:06:29
